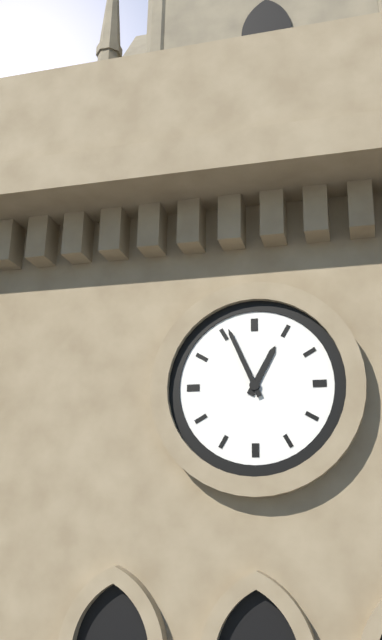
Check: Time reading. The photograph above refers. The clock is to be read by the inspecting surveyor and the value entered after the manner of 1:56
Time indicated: 12:56
